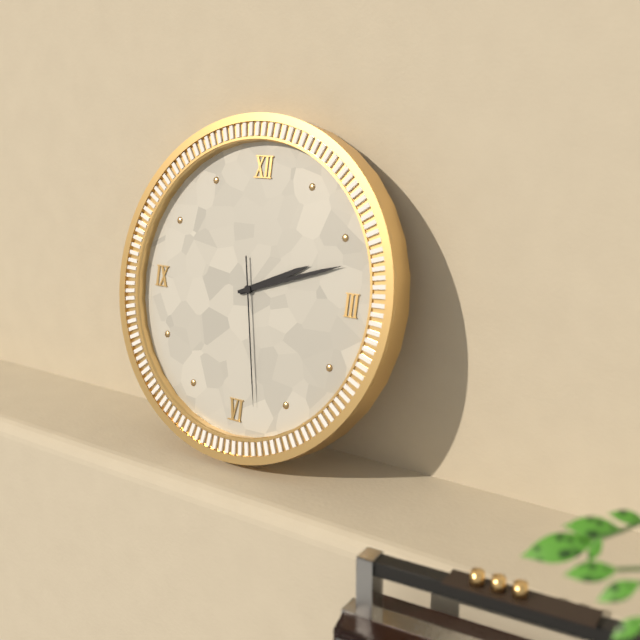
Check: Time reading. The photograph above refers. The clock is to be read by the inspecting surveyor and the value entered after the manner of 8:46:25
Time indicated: 2:12:28
